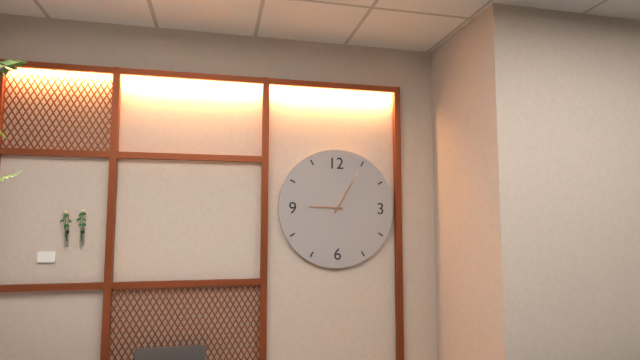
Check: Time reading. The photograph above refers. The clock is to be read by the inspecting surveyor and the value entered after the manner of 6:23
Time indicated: 9:05
